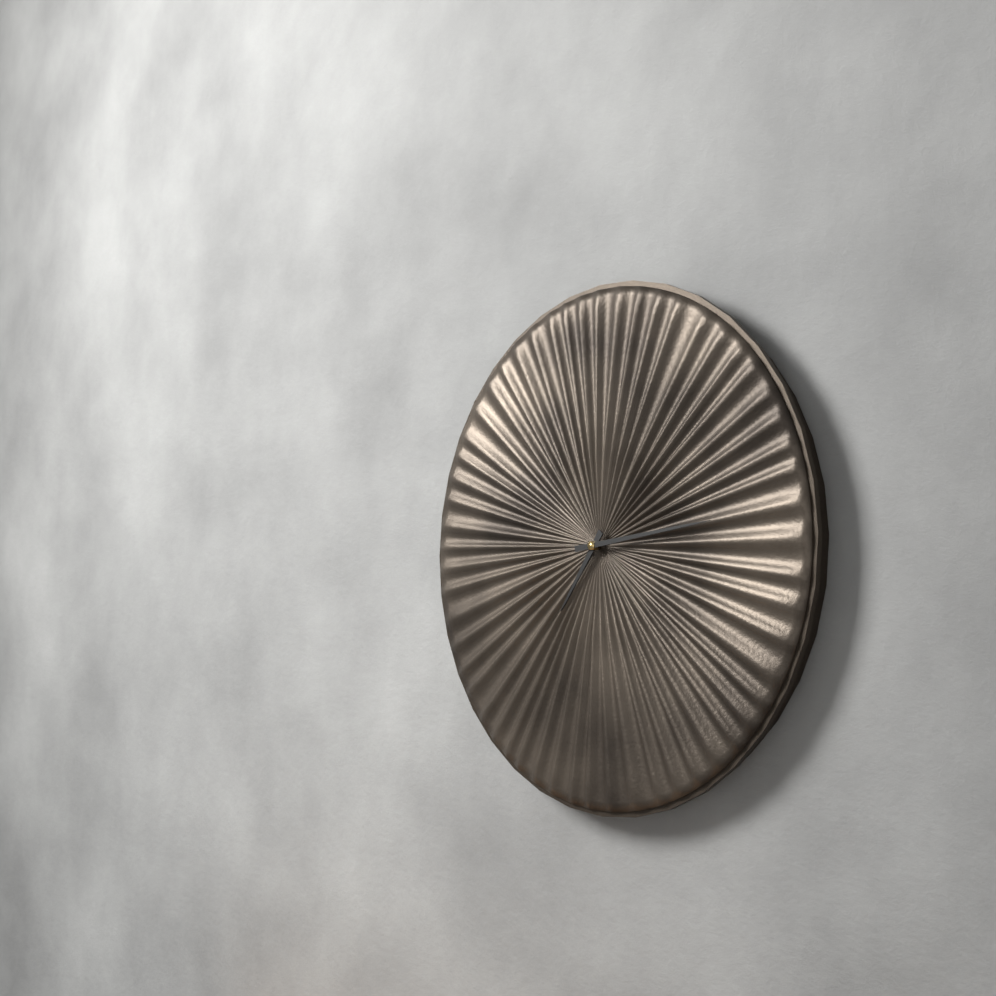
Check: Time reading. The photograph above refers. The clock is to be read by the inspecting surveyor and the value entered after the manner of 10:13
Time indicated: 7:14
